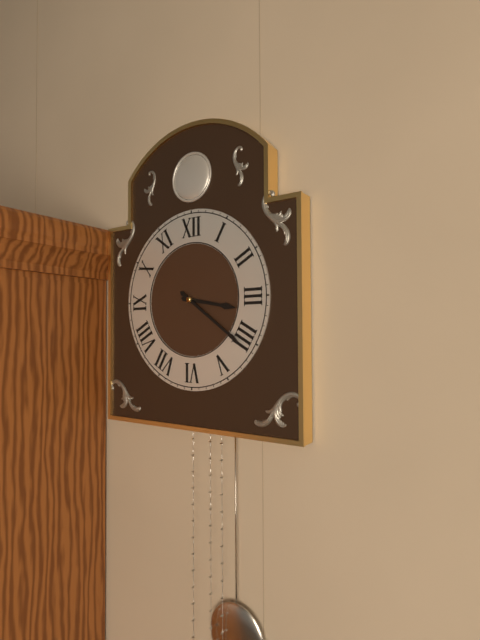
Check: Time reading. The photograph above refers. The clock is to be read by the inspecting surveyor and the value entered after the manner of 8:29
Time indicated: 3:21
